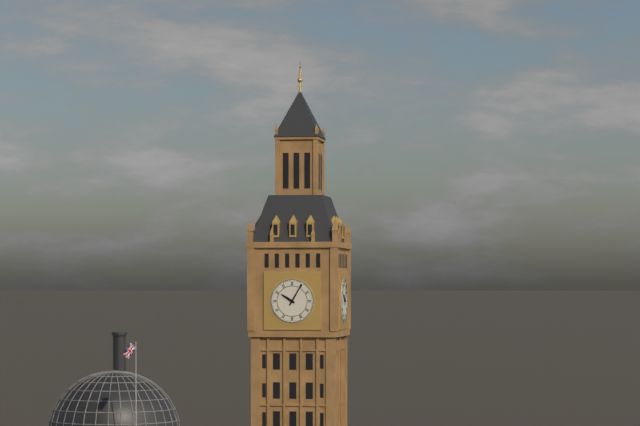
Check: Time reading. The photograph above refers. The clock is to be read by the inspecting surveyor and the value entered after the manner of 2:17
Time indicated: 10:05
